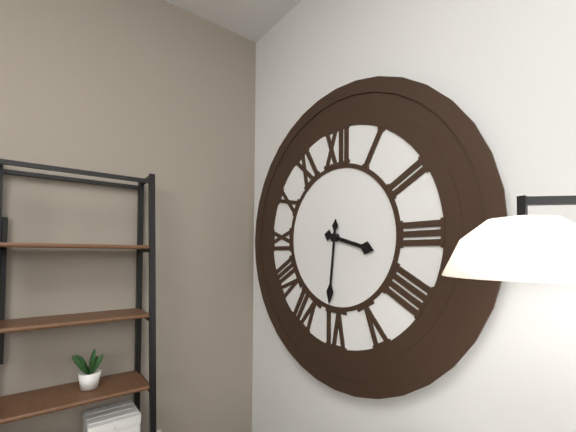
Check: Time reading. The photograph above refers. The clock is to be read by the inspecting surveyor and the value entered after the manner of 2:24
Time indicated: 3:31
